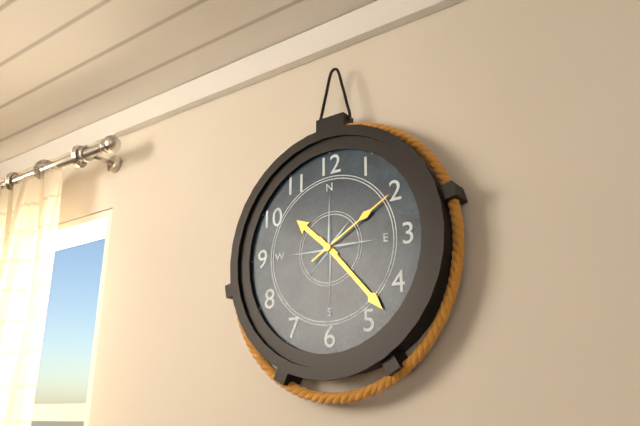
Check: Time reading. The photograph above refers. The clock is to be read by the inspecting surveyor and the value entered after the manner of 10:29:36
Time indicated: 10:23:10
